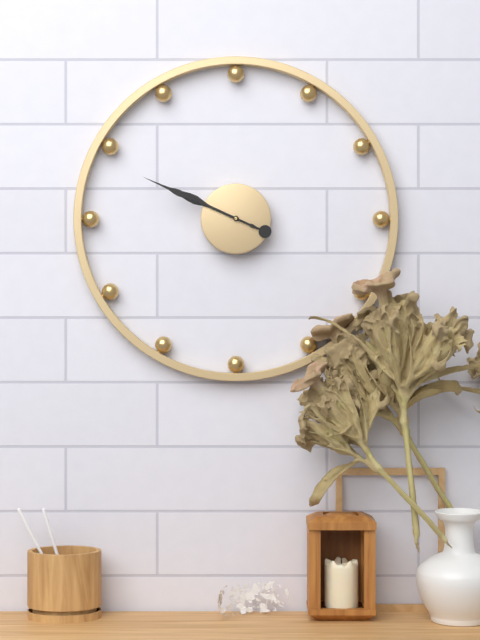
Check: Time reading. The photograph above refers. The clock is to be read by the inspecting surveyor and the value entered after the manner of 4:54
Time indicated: 9:49
